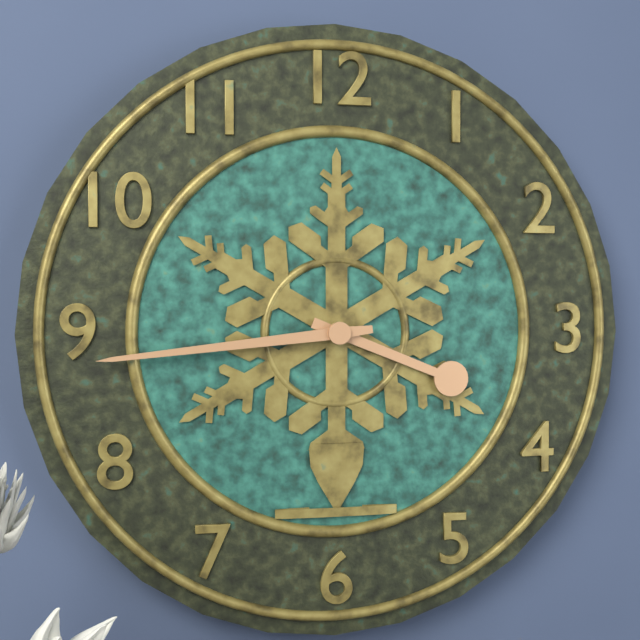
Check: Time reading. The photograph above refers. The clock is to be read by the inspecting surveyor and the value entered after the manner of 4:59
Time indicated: 3:44
